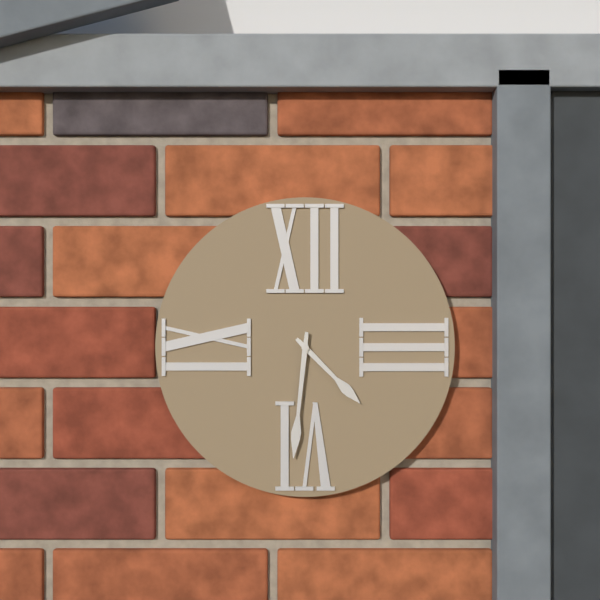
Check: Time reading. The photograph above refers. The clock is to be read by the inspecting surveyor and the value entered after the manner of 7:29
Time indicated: 4:31
